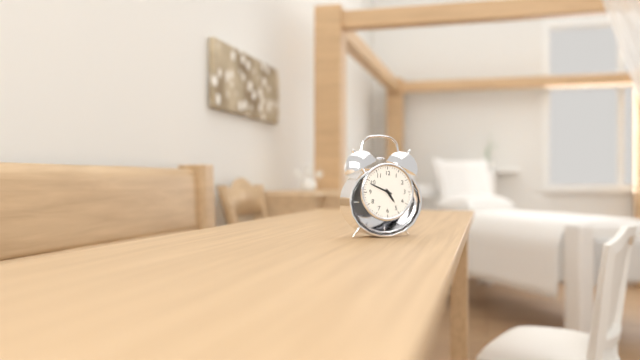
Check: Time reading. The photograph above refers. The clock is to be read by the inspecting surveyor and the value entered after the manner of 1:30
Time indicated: 4:49
